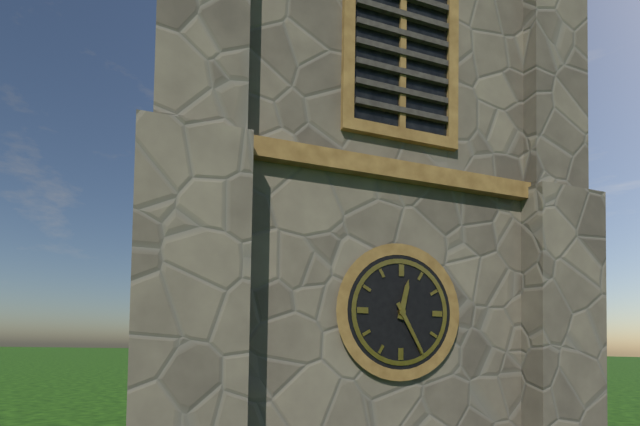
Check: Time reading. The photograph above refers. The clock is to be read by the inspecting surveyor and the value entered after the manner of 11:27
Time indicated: 12:25
